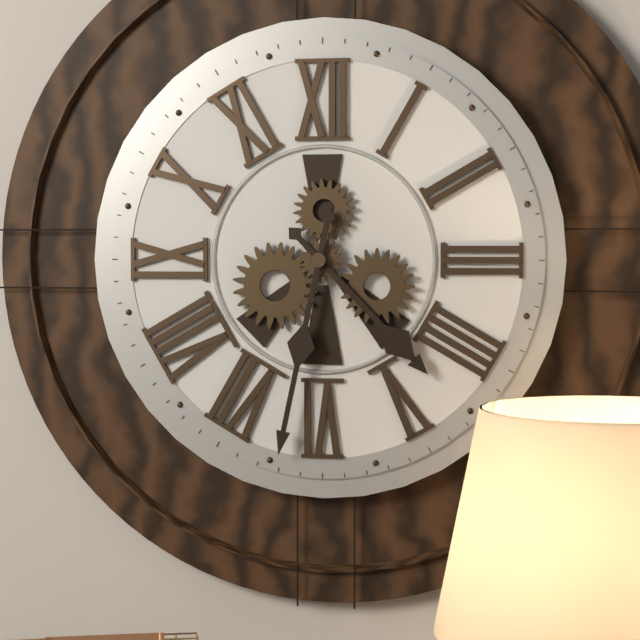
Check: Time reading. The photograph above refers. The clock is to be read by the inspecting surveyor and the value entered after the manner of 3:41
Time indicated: 4:32
